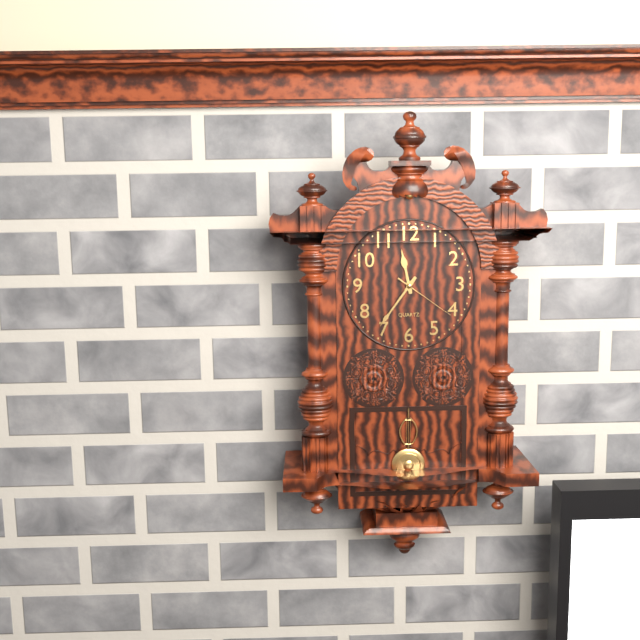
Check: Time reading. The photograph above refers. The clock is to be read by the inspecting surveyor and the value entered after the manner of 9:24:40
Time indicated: 11:36:21
